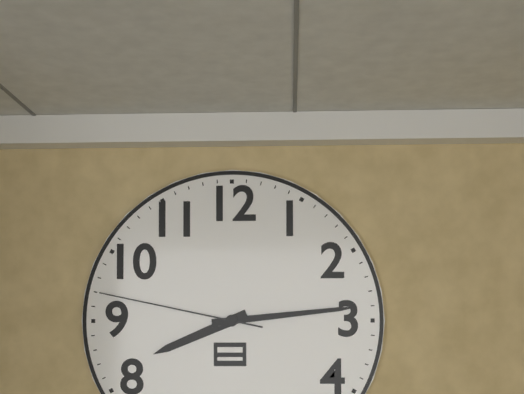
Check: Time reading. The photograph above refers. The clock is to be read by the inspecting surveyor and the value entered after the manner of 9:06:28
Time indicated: 8:14:47
